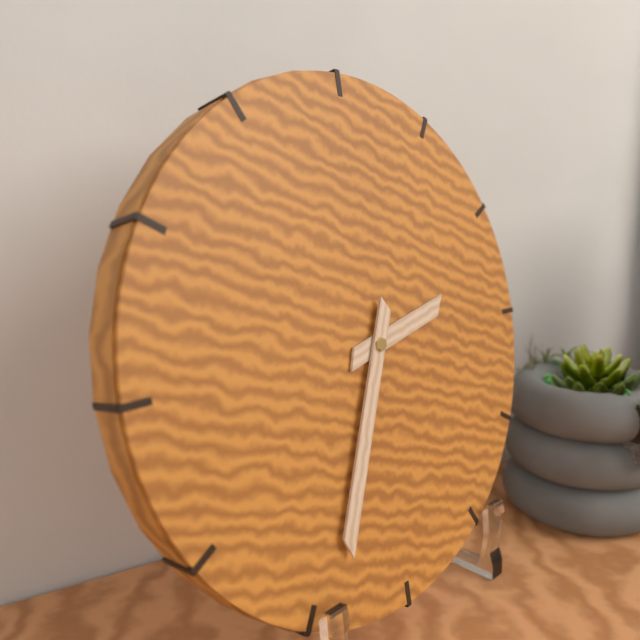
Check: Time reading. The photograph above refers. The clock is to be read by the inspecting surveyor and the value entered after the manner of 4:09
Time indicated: 2:34
